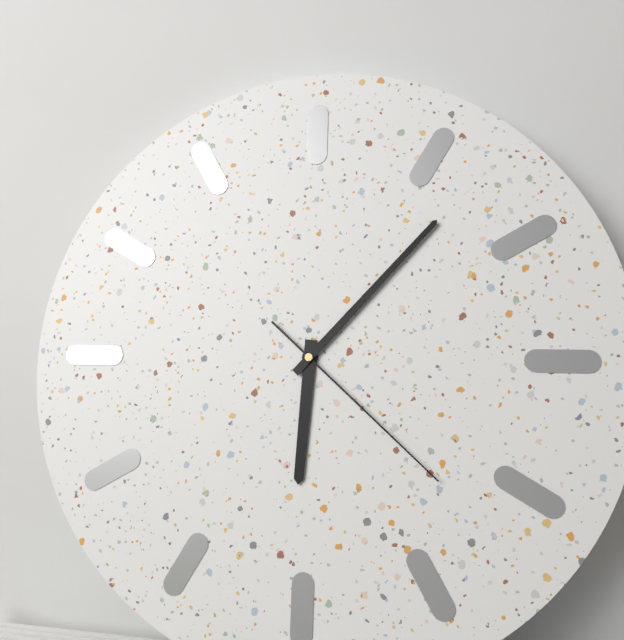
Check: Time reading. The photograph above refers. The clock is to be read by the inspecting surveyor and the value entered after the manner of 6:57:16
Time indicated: 6:07:22
